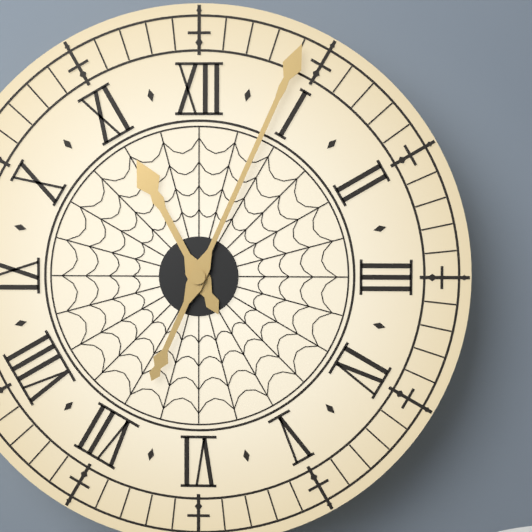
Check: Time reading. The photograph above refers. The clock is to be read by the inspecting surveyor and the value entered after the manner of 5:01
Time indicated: 11:04
